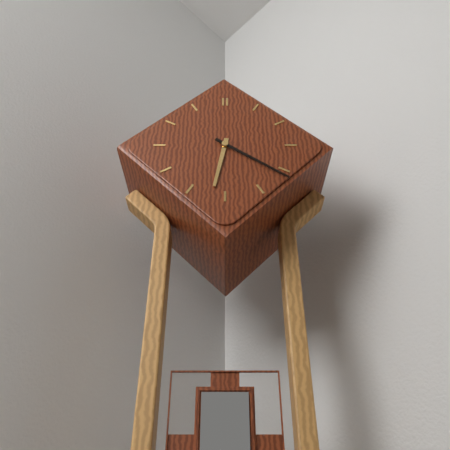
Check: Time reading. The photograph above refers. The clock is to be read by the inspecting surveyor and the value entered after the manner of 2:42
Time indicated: 6:21
